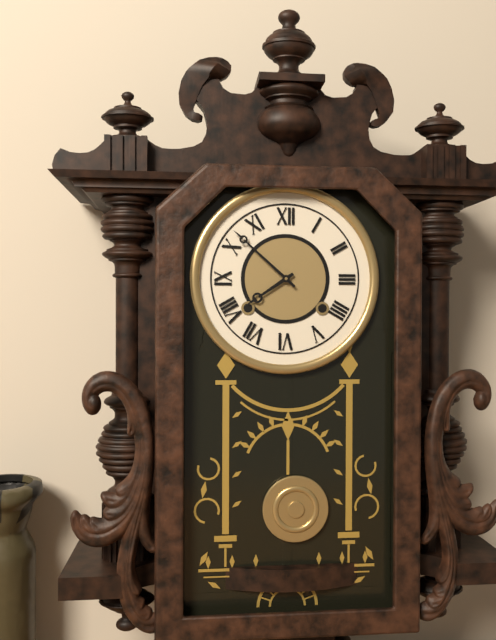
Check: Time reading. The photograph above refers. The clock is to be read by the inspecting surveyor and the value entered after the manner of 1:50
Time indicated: 7:52
